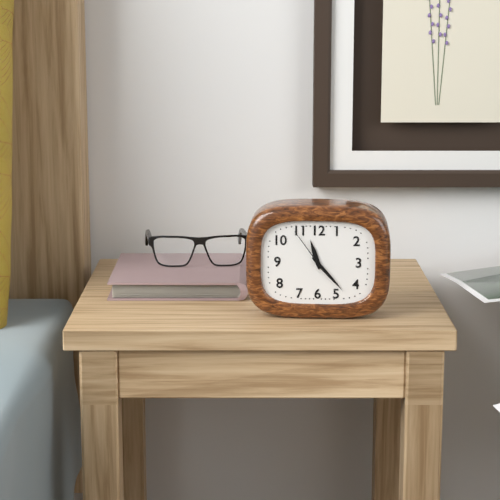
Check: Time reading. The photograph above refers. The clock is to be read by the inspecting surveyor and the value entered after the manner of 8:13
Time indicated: 11:23
